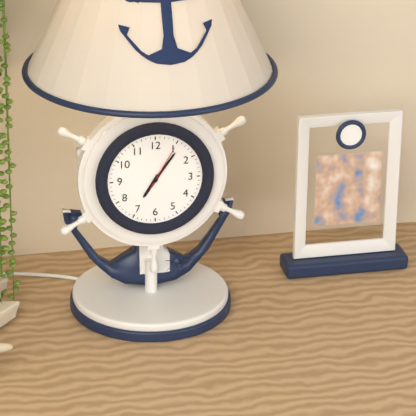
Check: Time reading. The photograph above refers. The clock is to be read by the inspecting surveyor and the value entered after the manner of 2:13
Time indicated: 7:06
